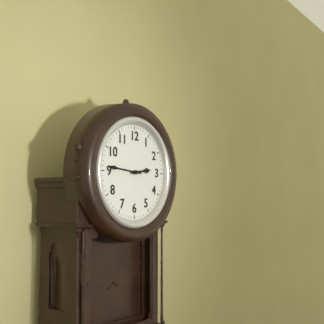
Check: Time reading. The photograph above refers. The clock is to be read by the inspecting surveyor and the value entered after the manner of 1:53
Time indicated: 2:46
